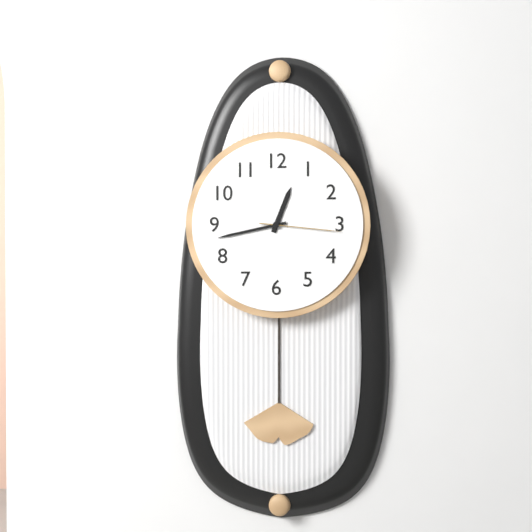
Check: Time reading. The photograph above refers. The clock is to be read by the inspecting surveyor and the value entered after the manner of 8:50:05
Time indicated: 12:43:16
